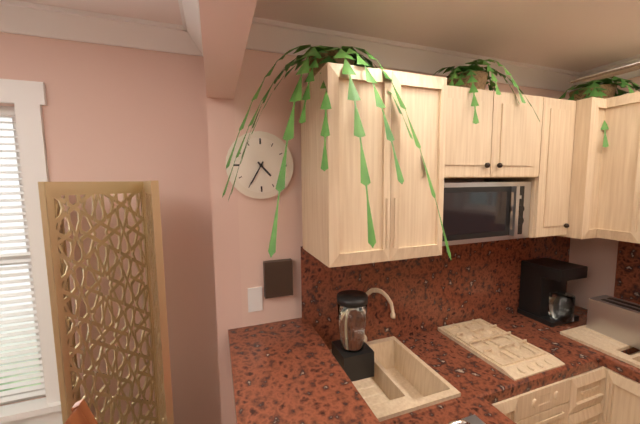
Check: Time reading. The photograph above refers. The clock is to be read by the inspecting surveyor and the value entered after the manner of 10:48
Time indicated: 4:35
